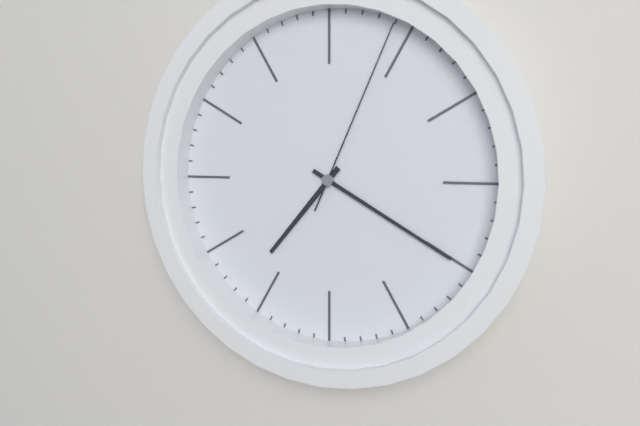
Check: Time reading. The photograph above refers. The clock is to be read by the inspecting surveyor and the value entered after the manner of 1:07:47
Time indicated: 7:20:04
